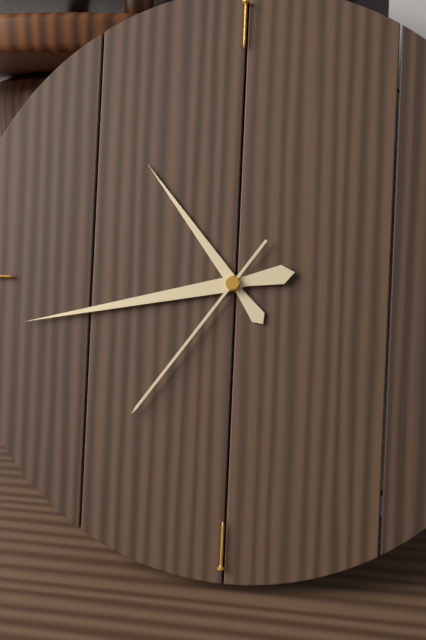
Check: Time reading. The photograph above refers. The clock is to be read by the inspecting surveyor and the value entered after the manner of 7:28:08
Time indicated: 10:43:36
